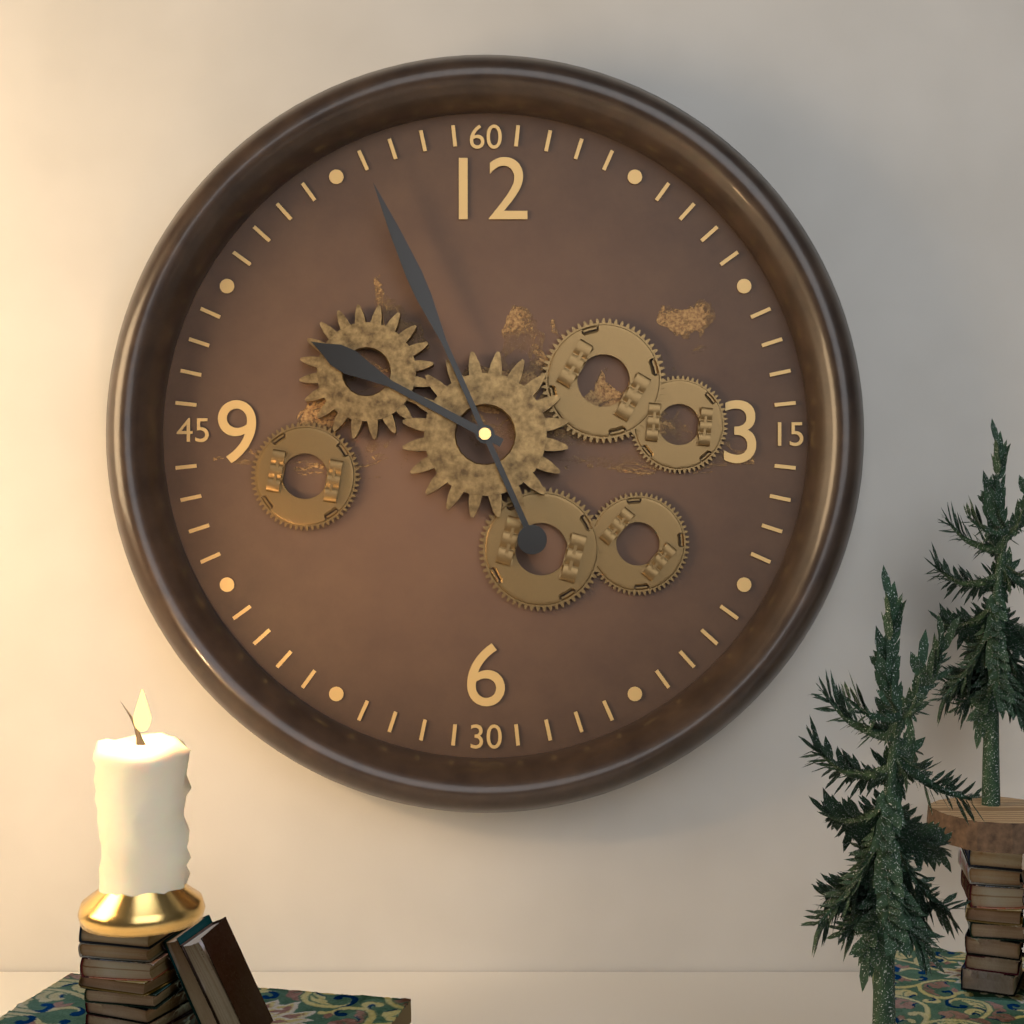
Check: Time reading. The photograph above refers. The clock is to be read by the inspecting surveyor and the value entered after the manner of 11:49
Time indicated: 9:56
